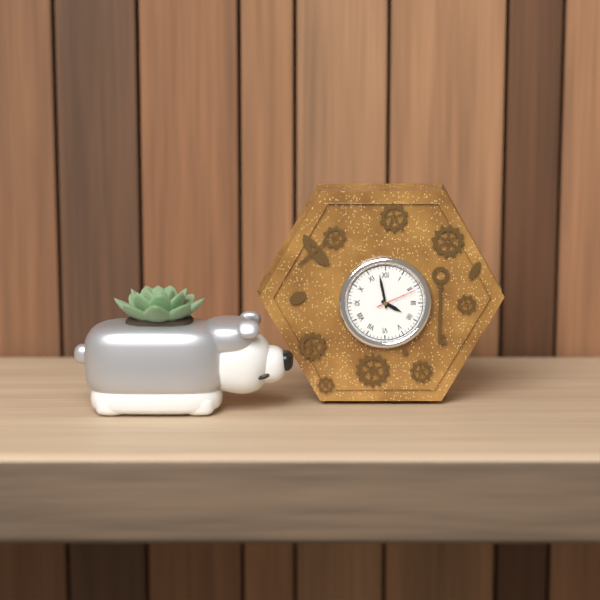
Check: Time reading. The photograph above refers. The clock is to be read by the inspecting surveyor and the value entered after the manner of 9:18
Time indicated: 3:58
